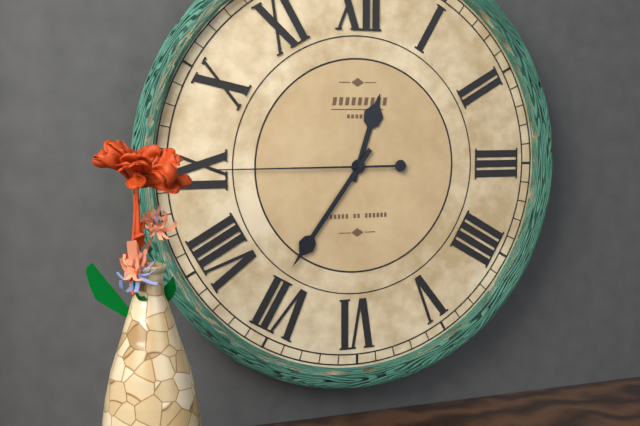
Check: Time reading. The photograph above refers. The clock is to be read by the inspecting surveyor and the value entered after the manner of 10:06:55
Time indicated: 12:36:45
